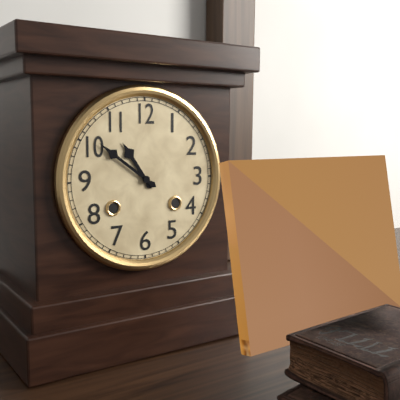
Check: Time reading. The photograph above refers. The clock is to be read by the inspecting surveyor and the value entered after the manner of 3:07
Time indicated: 10:51
